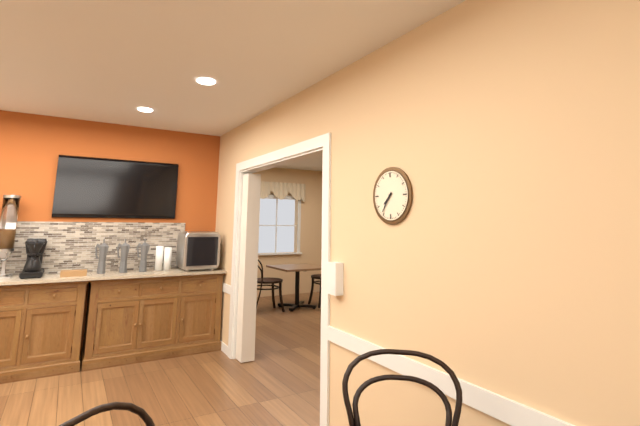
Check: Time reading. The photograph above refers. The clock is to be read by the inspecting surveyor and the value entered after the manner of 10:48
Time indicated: 7:36
